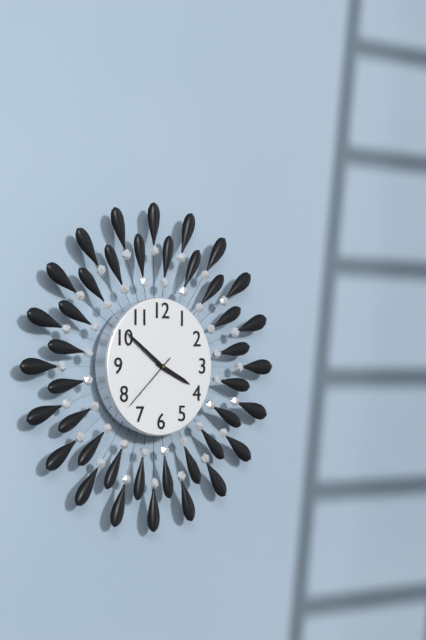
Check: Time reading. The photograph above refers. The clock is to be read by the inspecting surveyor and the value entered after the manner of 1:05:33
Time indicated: 3:51:38
